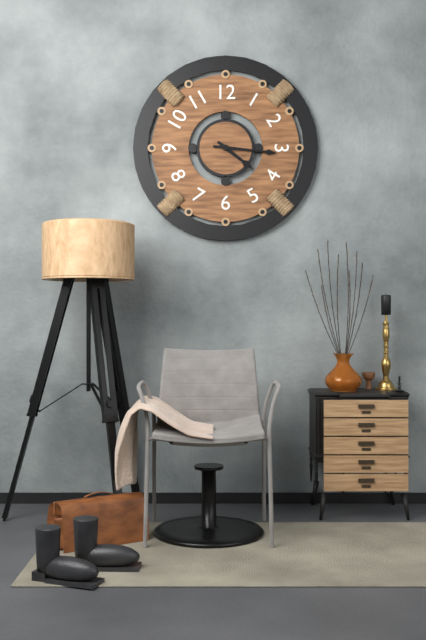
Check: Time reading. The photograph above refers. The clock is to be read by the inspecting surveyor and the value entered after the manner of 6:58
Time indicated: 4:16
